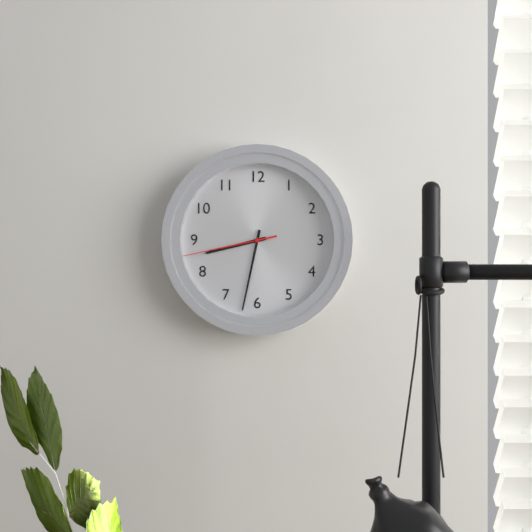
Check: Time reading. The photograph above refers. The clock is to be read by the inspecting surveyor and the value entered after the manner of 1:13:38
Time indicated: 8:32:43
